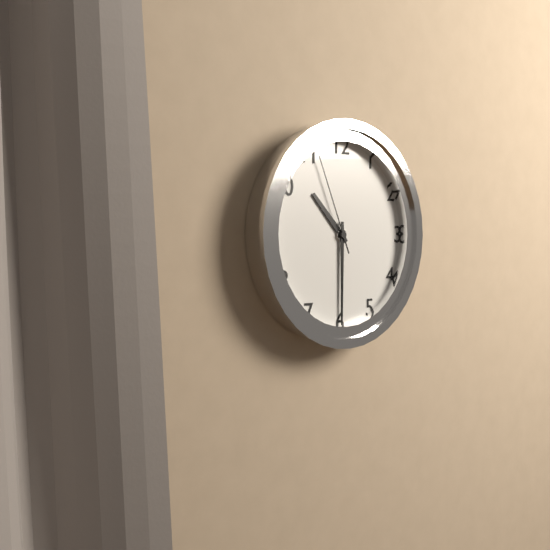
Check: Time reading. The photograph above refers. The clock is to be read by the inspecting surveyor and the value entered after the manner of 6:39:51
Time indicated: 10:30:56
